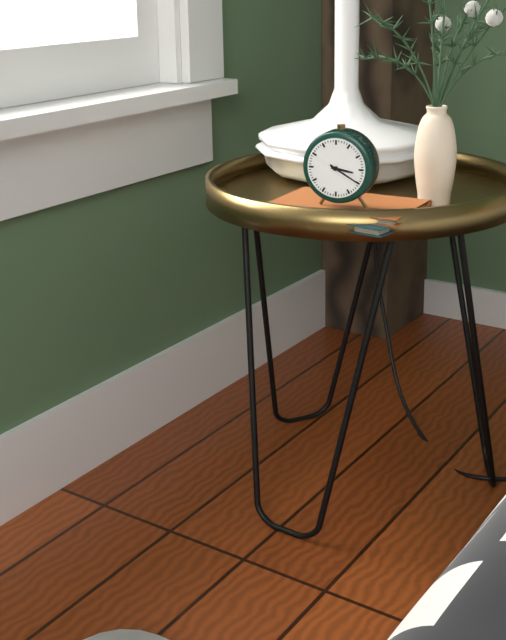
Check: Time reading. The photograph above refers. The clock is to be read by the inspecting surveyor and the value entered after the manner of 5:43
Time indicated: 3:20
